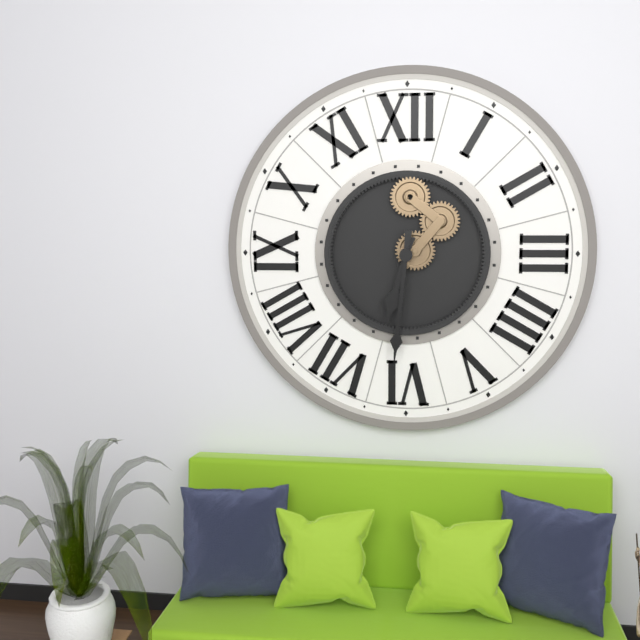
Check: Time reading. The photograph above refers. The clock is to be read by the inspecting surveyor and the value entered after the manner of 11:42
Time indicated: 6:31
